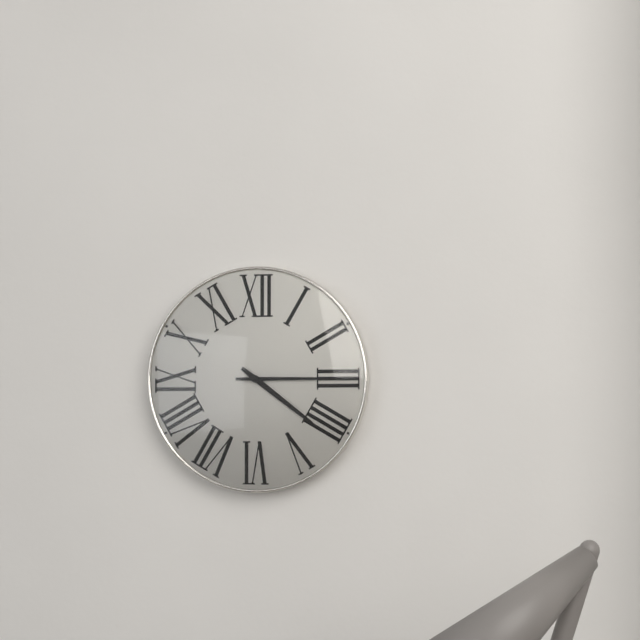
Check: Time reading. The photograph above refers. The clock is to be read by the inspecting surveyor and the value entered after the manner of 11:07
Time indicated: 4:15
